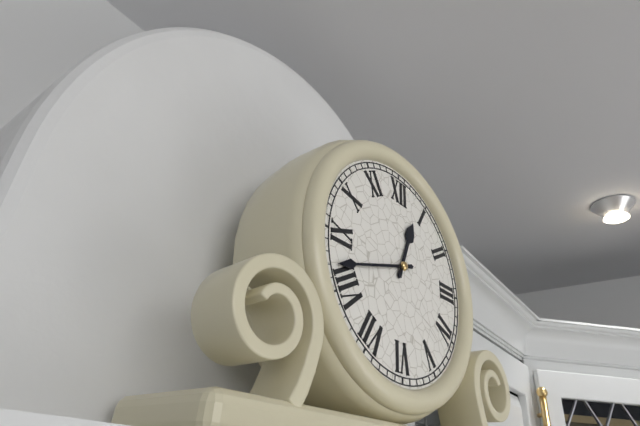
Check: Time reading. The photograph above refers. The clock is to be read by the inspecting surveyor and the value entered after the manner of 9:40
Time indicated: 12:42
